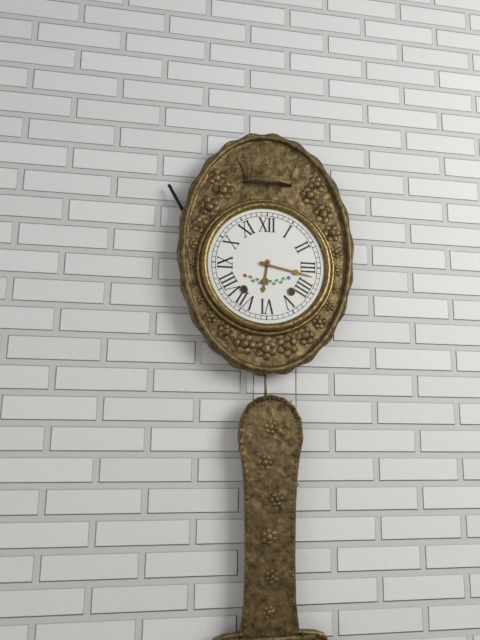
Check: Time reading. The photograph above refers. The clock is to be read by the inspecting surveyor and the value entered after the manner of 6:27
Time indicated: 6:17
